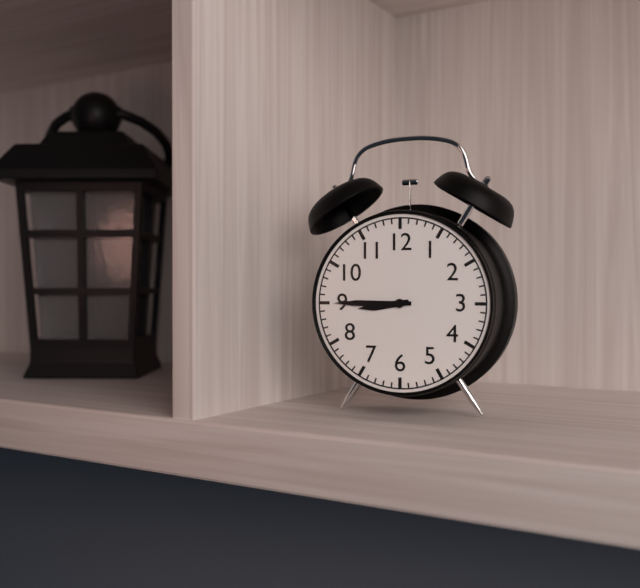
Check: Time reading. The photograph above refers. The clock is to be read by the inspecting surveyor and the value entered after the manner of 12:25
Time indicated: 8:45
